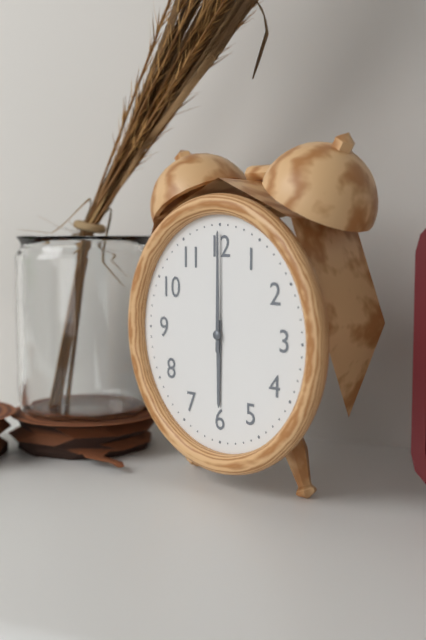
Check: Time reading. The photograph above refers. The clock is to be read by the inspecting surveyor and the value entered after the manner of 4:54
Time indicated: 6:00
